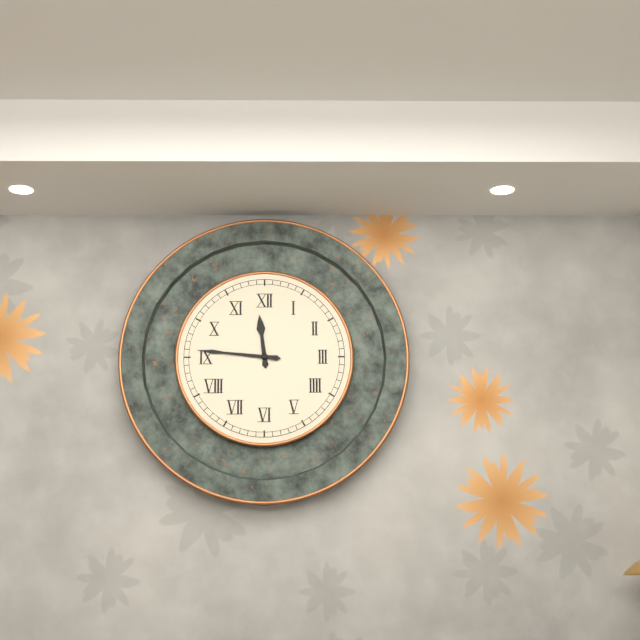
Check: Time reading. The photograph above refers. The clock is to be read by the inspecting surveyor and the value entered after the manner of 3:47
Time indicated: 11:46
